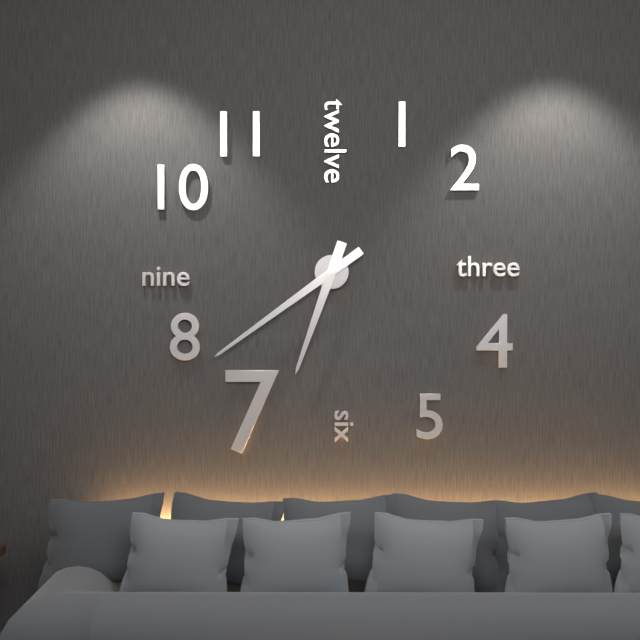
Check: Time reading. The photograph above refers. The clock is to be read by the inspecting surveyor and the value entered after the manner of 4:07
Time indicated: 6:39
